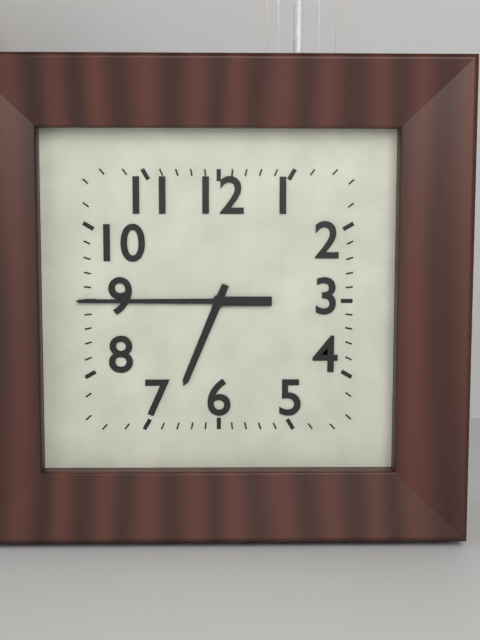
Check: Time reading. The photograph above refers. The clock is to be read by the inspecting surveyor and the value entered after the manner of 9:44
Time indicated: 6:45
